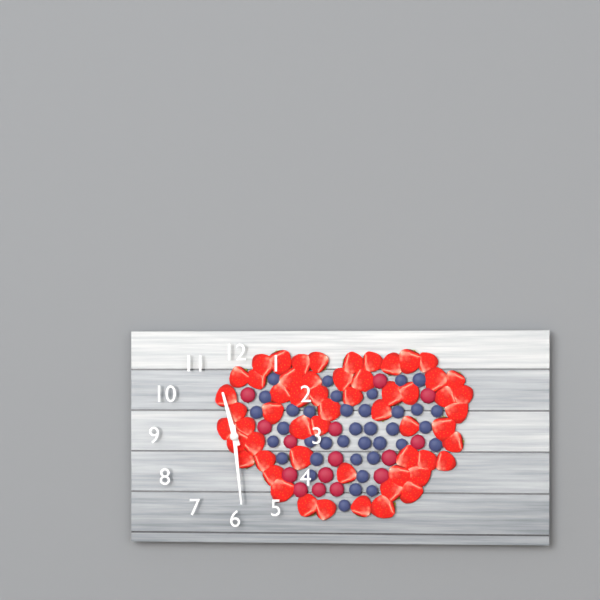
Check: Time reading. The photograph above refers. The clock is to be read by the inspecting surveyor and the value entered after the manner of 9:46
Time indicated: 11:29
